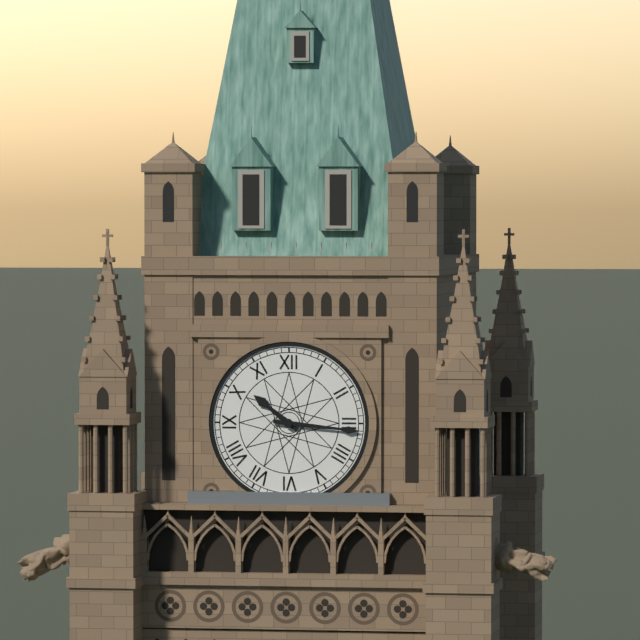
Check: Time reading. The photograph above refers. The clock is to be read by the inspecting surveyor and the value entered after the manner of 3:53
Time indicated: 10:16
